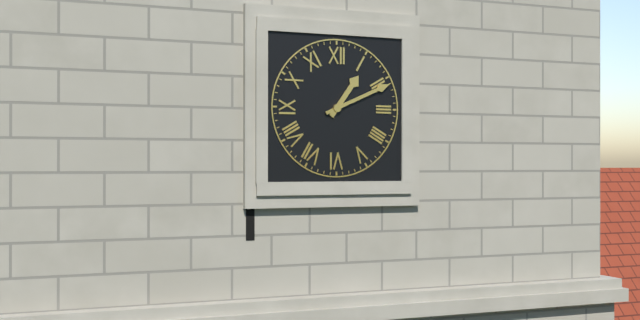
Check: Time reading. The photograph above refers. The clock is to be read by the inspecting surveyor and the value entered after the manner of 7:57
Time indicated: 1:11
